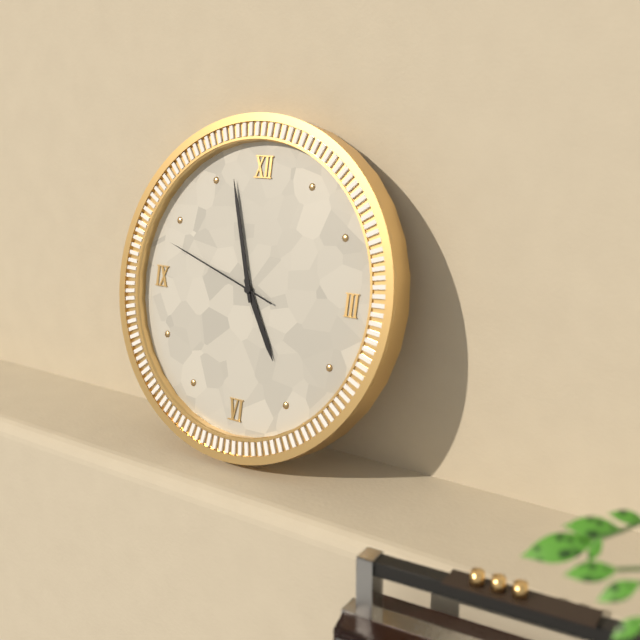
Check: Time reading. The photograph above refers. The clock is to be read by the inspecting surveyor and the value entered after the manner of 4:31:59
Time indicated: 4:57:48
